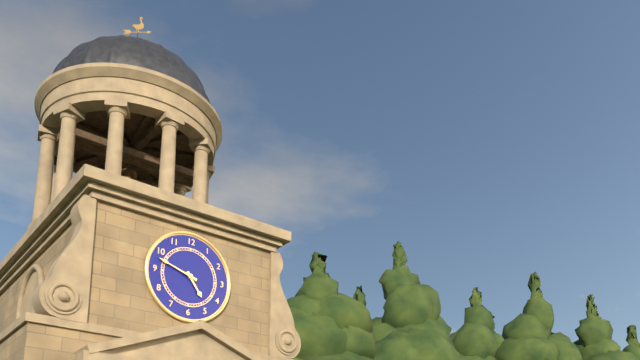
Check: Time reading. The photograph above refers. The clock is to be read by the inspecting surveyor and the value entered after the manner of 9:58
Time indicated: 4:48
